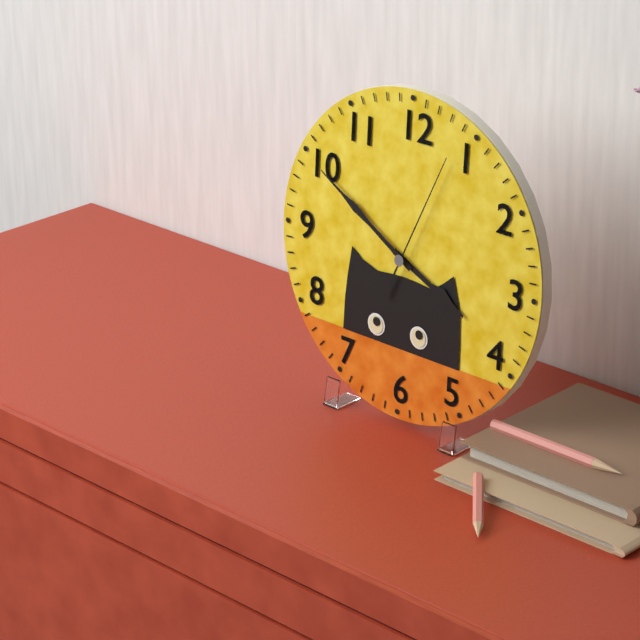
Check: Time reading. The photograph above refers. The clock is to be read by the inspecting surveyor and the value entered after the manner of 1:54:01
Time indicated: 3:50:04
